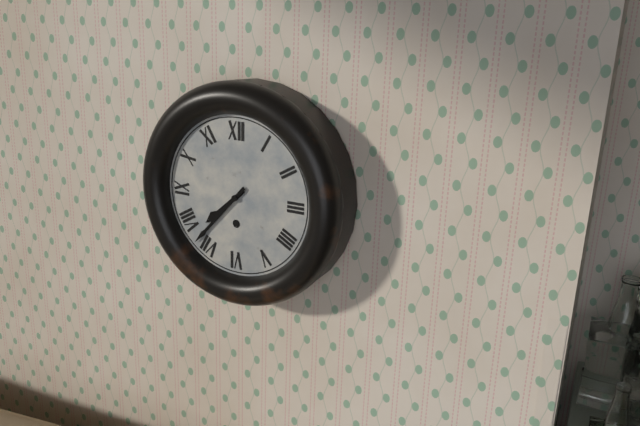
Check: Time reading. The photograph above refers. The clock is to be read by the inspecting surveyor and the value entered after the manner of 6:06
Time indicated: 7:37
